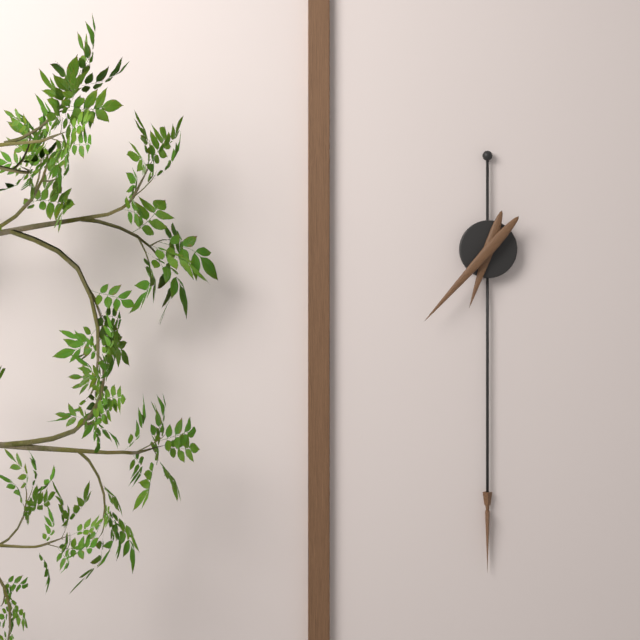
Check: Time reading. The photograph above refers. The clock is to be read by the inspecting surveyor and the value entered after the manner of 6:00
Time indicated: 6:37
